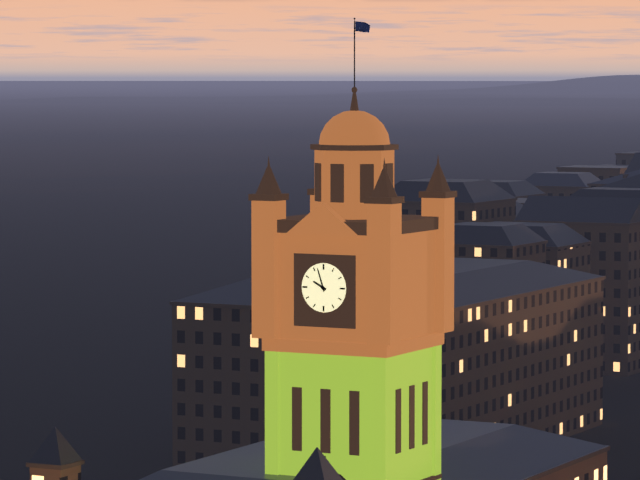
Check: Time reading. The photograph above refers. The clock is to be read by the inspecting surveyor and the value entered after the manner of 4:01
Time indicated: 9:57
